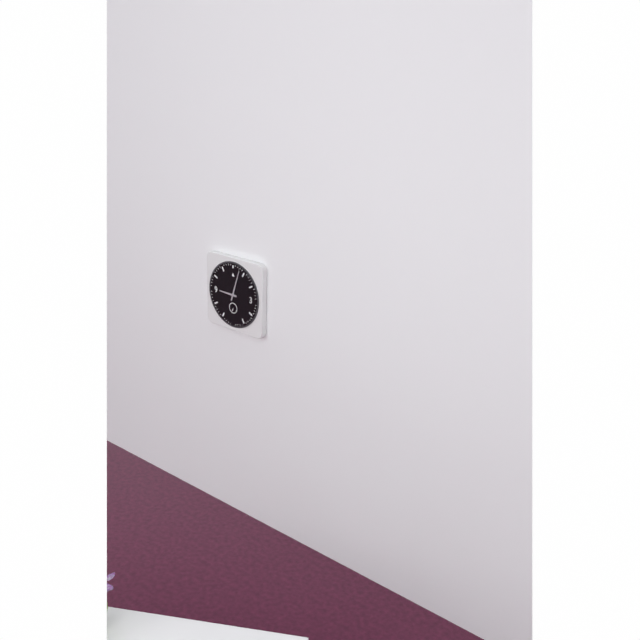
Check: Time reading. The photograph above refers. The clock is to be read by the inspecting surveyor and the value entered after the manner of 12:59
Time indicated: 9:03
